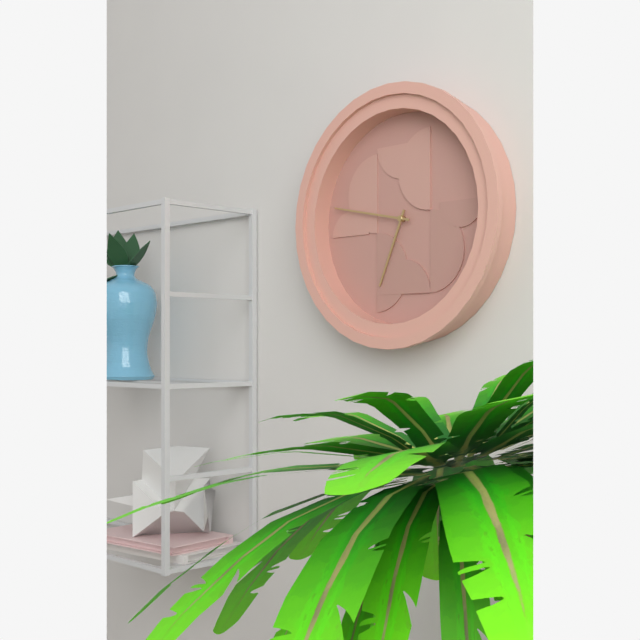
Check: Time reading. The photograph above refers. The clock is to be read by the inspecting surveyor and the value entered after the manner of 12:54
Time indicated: 6:47
